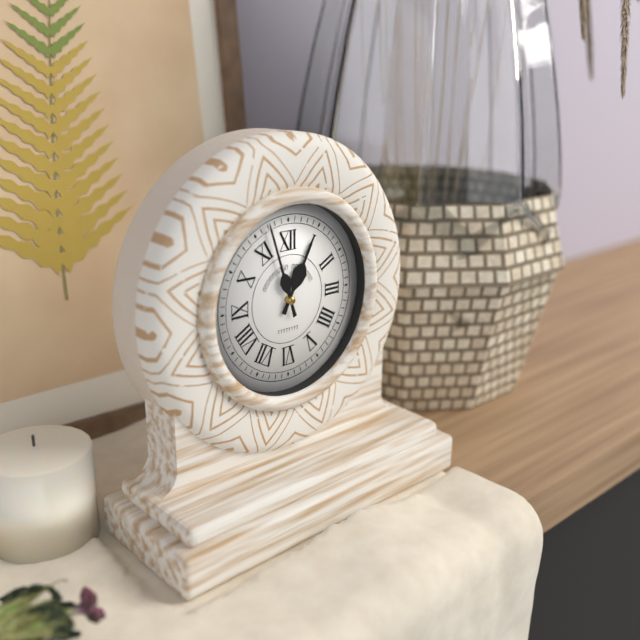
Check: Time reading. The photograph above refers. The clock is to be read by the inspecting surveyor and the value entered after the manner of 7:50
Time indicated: 12:57
